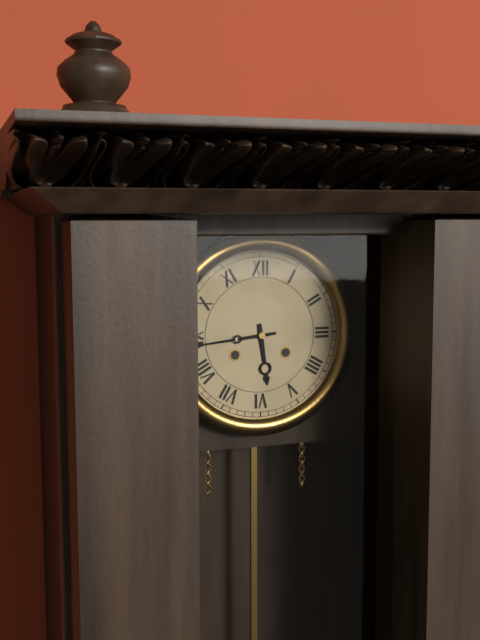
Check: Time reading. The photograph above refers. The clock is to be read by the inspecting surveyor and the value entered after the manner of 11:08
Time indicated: 5:44
